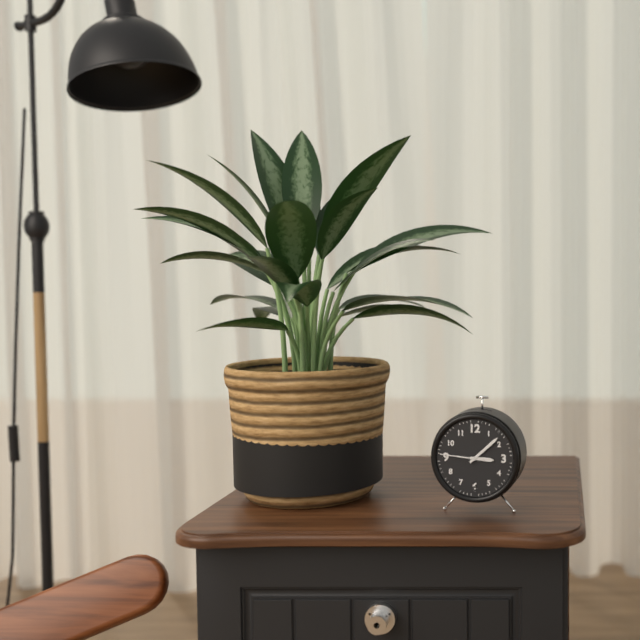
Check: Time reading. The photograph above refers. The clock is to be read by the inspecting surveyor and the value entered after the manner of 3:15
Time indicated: 3:08
